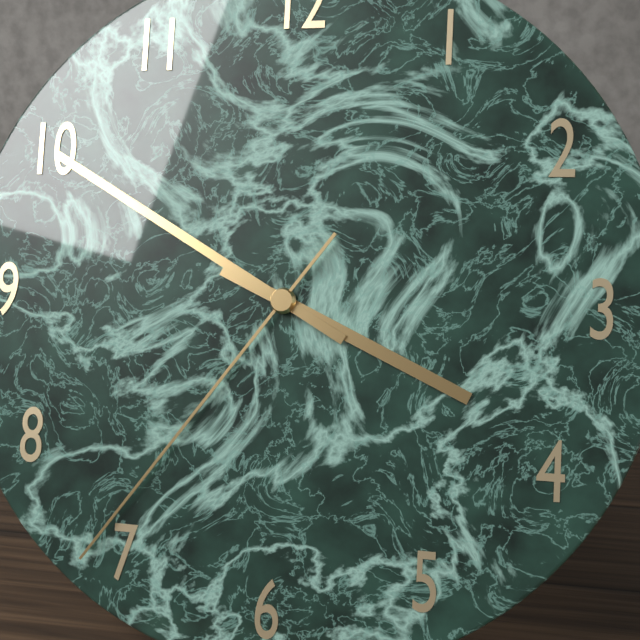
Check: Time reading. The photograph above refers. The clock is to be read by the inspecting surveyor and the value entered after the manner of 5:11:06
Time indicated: 3:50:36
